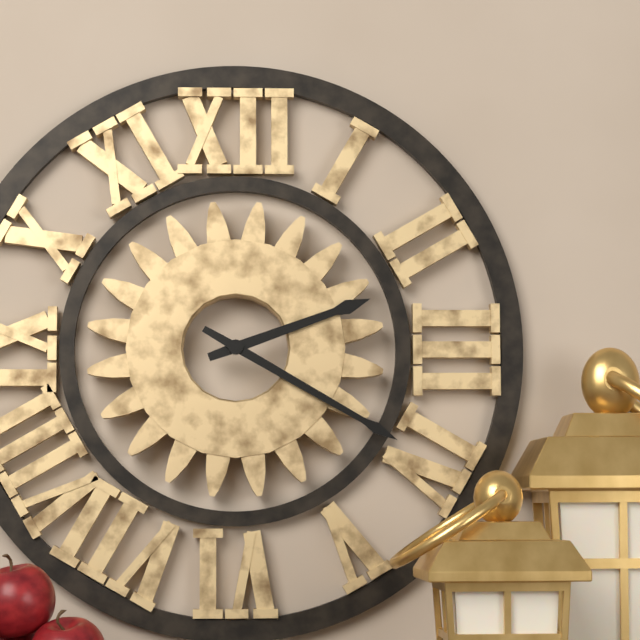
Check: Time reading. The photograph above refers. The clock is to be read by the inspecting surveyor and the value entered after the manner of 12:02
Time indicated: 2:20
